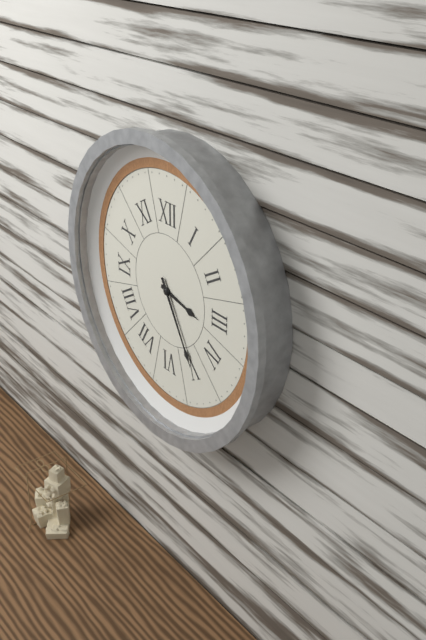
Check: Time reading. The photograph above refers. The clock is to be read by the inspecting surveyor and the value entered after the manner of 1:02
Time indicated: 3:25
